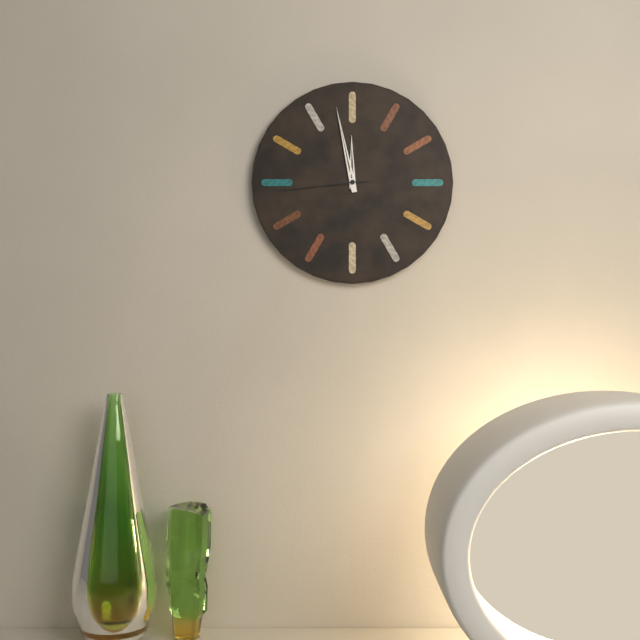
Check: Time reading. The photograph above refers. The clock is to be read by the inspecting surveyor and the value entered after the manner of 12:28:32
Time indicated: 11:58:44
